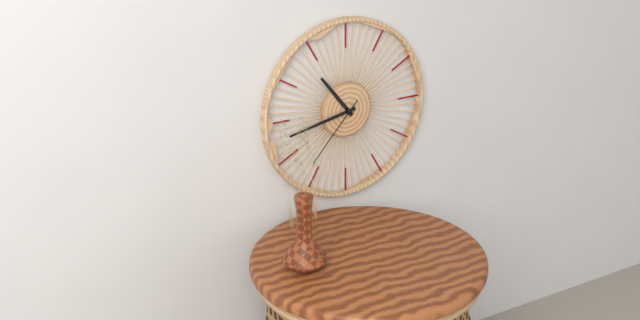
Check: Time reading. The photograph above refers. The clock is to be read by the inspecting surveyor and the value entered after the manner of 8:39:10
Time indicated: 10:43:37
